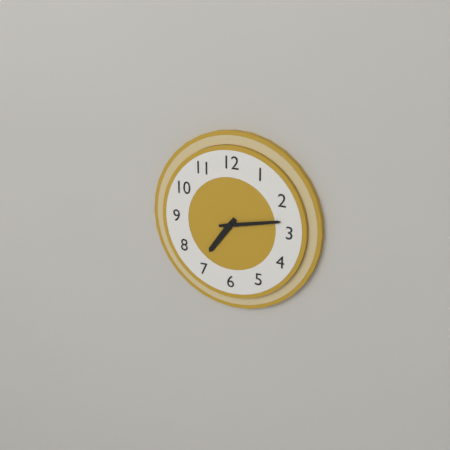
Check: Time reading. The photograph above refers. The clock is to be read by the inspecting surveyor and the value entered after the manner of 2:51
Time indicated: 7:13
